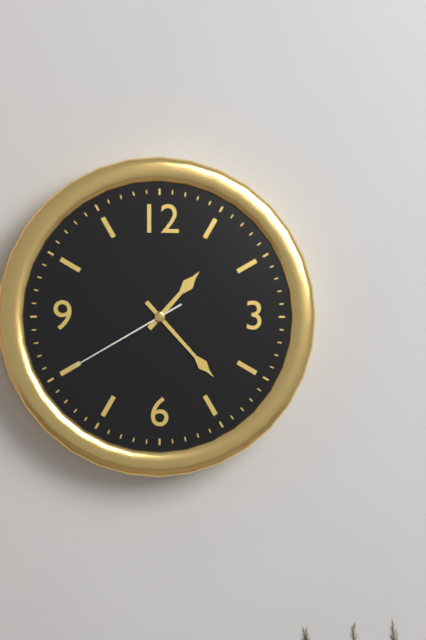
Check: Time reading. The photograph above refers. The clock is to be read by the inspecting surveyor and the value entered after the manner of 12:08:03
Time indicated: 1:23:40
